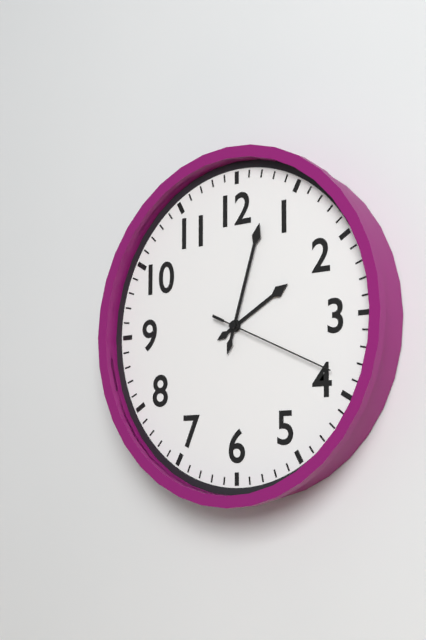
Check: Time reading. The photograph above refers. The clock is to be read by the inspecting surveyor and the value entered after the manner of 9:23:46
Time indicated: 2:03:19
